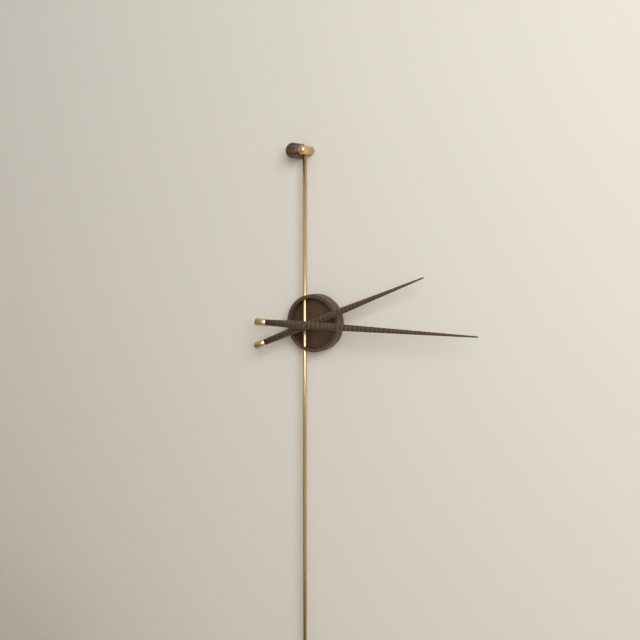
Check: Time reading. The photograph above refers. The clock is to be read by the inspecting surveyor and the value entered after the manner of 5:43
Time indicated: 2:15
